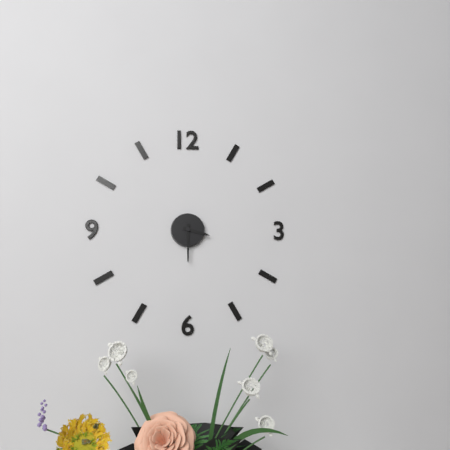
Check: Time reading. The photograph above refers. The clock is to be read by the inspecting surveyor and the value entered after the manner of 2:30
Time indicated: 3:30
